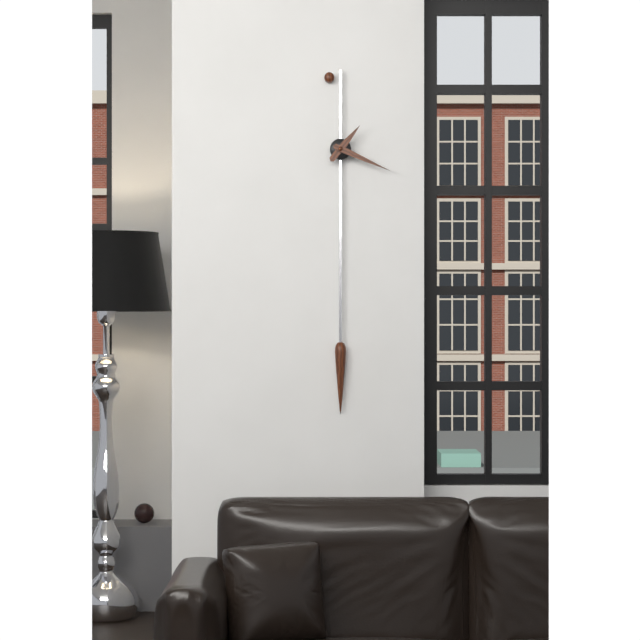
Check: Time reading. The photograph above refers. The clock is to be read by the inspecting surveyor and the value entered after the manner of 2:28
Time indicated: 1:19
